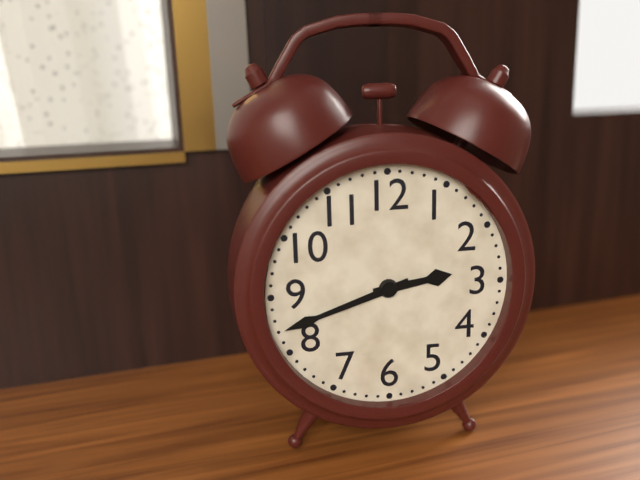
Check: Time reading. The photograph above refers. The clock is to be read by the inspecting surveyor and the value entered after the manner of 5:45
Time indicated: 2:42
